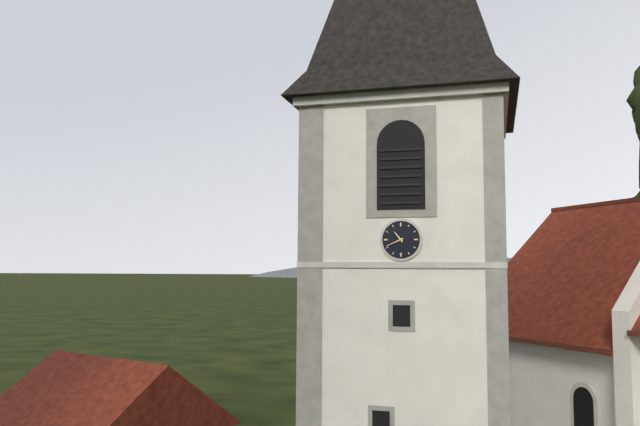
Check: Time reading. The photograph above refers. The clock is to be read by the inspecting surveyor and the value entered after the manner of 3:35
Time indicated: 10:41
